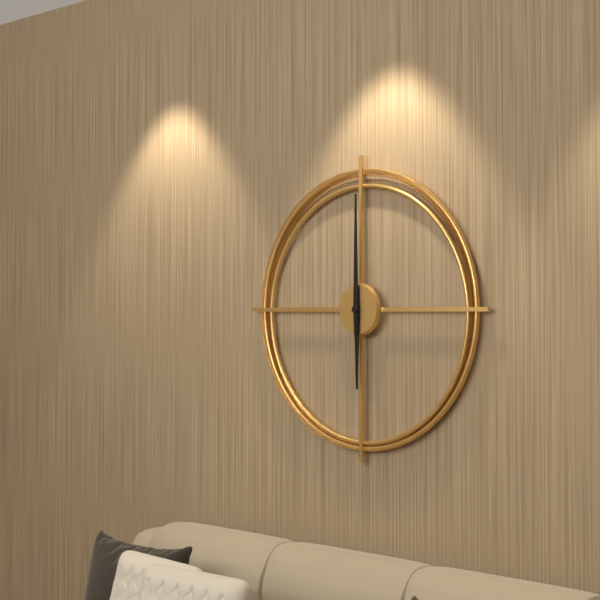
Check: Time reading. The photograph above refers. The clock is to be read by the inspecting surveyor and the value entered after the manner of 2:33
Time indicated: 6:00
